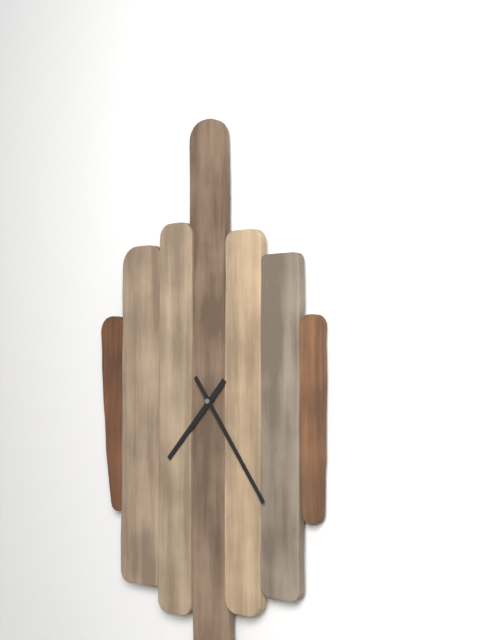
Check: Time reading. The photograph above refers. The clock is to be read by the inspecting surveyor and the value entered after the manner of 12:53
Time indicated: 7:24
